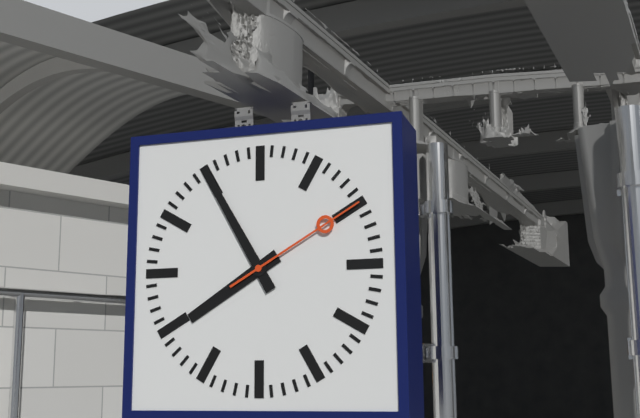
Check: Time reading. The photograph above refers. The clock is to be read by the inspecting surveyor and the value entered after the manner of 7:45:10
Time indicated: 7:55:10
